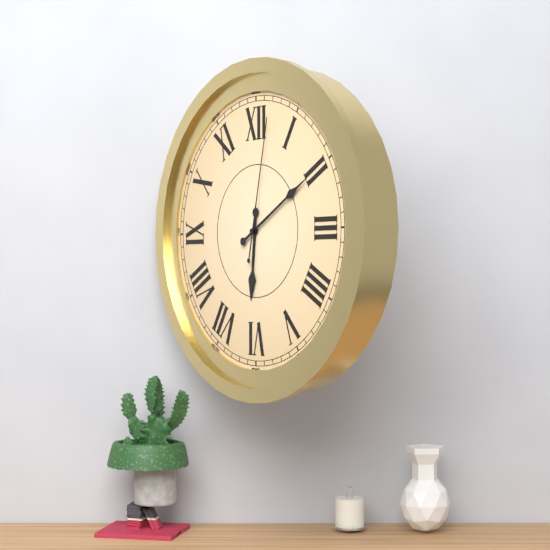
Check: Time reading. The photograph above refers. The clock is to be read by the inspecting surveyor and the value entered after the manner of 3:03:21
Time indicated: 6:10:02
